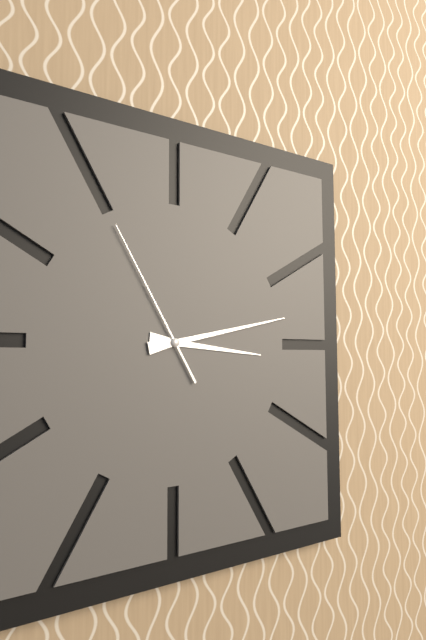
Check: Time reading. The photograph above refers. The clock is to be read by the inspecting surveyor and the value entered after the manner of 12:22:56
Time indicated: 3:13:55
